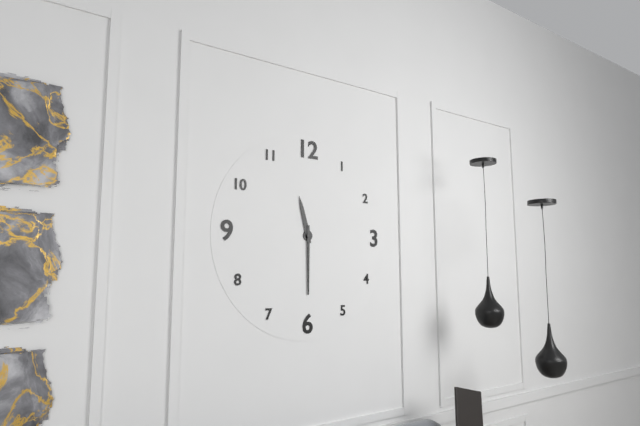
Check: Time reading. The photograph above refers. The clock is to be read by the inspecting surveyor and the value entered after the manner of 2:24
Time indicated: 11:30
